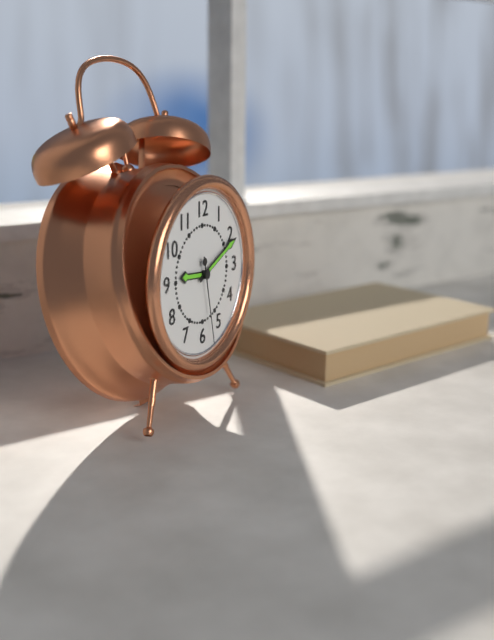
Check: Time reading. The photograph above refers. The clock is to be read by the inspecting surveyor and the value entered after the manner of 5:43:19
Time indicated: 9:11:28
